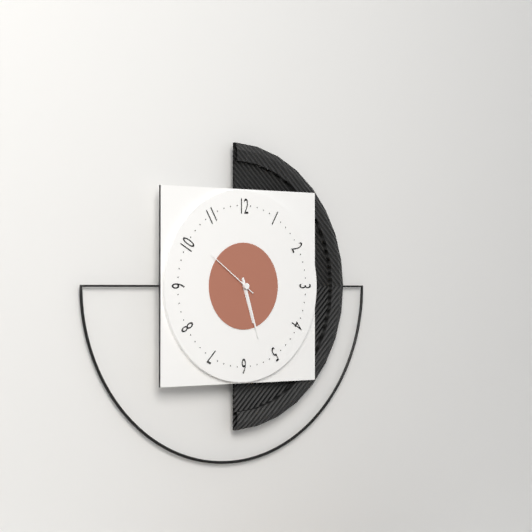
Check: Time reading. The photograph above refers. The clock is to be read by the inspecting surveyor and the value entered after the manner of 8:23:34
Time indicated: 5:27:51
